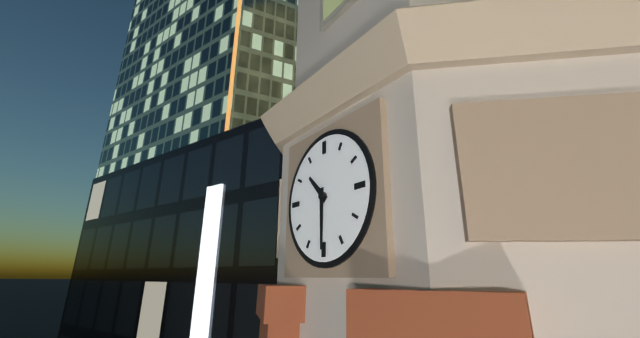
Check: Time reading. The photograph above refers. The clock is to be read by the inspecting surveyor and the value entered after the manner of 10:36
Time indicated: 10:30
